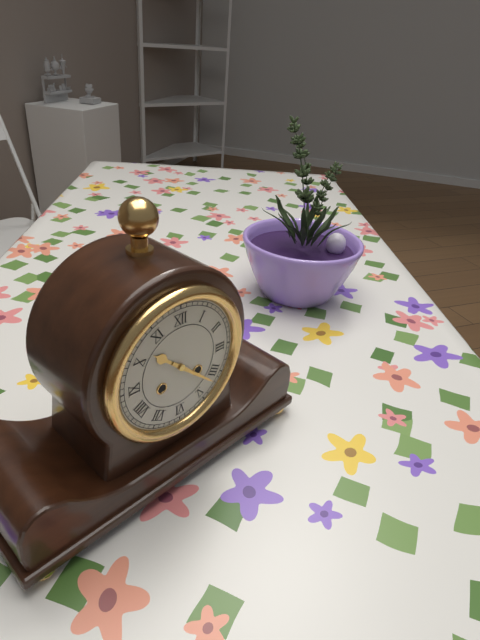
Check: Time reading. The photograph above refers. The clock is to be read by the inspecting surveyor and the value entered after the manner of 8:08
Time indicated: 10:22
